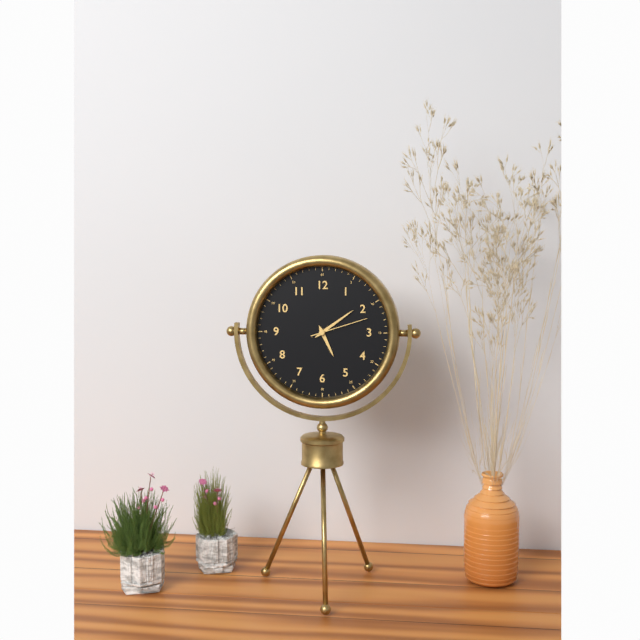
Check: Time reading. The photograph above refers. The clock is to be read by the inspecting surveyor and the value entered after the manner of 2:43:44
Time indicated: 5:09:12
